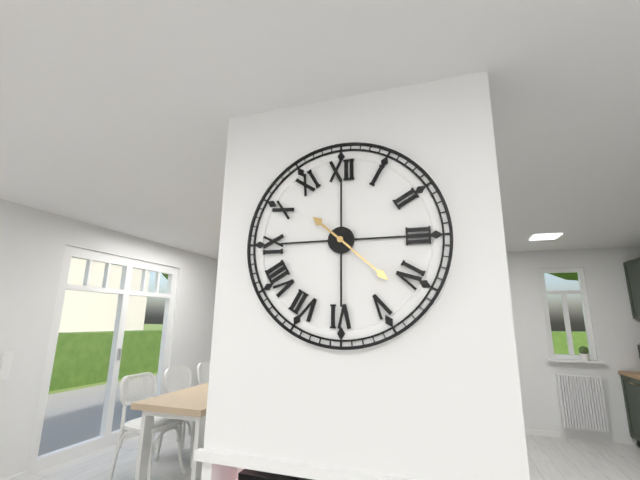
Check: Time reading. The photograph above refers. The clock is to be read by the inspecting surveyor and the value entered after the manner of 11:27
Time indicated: 10:22
